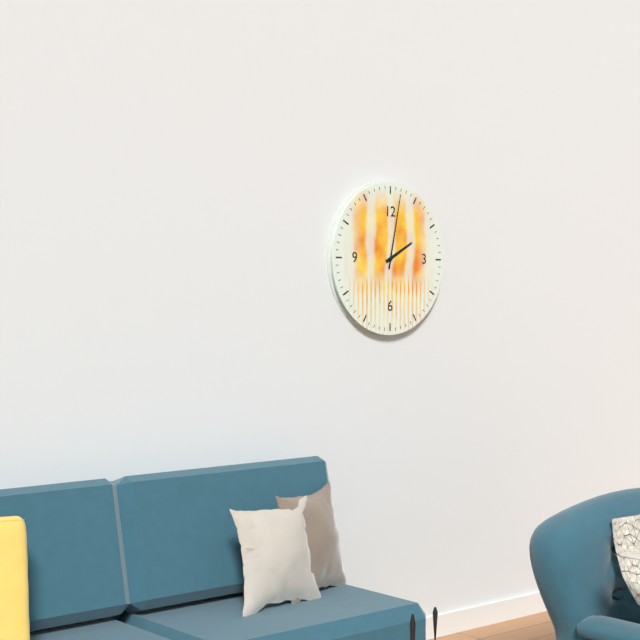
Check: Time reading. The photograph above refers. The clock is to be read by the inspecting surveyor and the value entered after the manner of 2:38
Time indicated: 2:02
